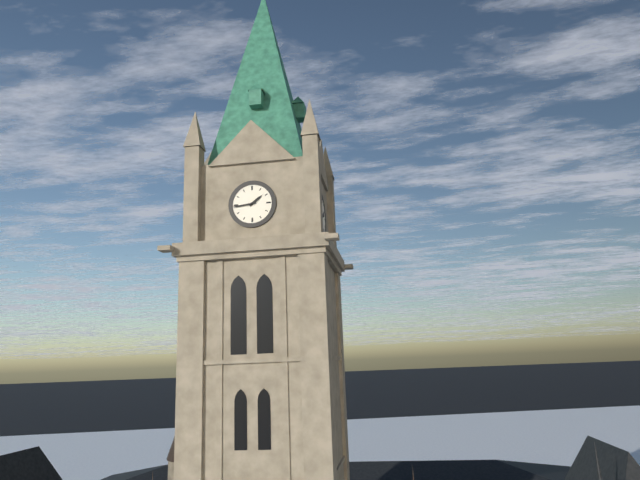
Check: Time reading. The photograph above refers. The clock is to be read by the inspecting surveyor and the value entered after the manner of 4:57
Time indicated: 1:44
